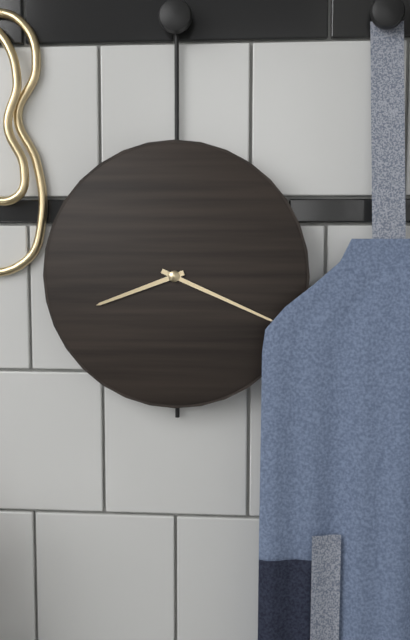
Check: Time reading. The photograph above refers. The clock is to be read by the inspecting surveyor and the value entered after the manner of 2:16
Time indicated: 8:19
